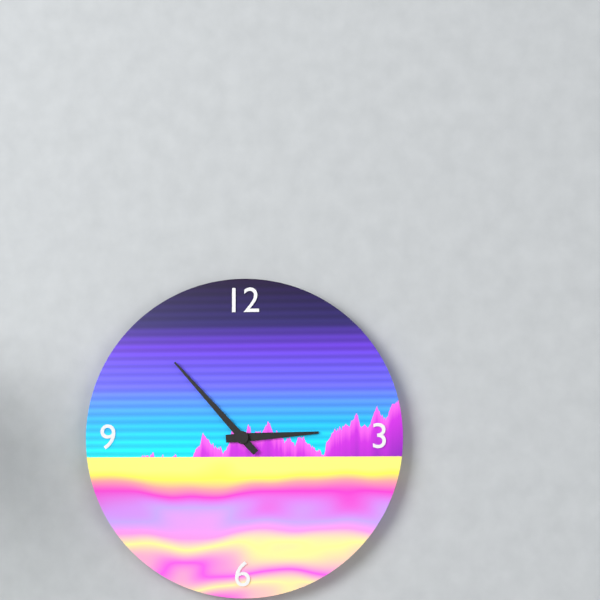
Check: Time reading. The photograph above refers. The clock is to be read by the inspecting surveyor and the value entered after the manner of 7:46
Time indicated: 2:53
